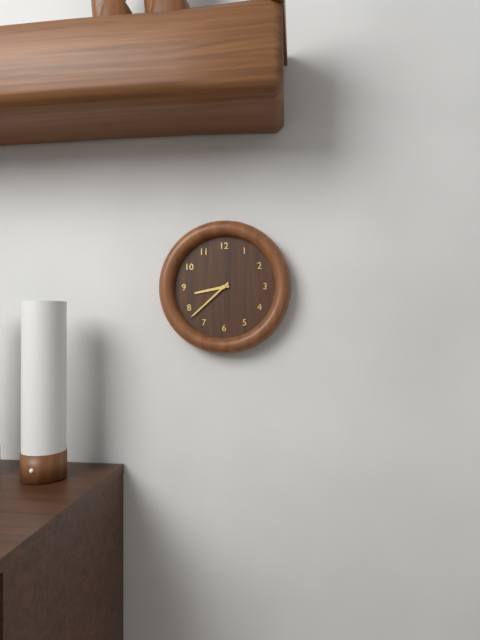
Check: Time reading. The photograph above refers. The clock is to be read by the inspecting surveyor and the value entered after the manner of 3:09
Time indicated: 8:38
